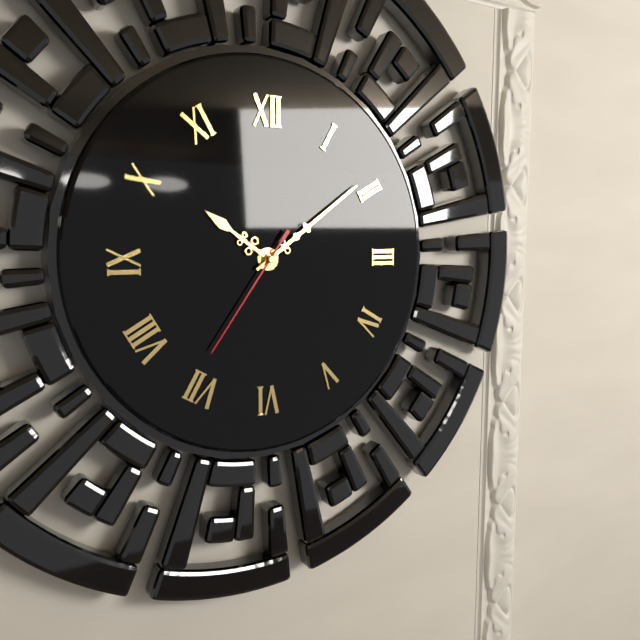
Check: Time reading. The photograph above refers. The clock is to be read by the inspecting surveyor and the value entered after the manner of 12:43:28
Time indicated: 10:09:36
